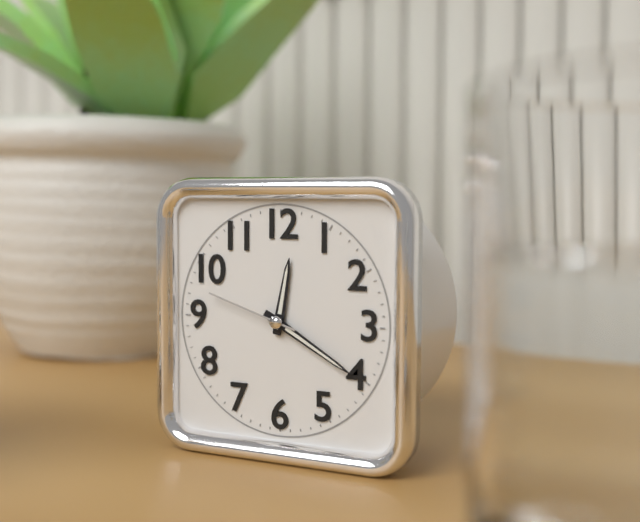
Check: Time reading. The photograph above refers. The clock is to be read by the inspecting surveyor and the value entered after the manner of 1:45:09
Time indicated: 12:20:48
